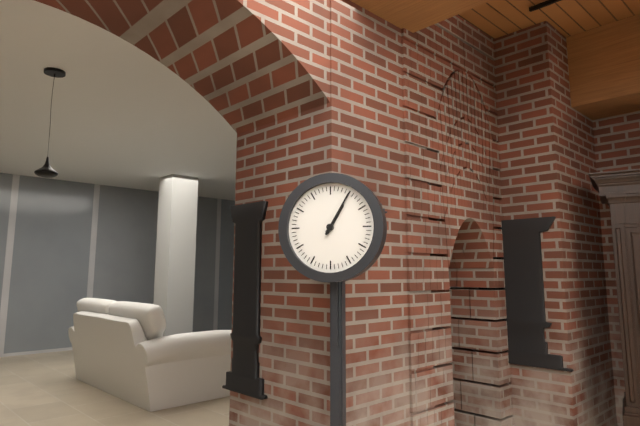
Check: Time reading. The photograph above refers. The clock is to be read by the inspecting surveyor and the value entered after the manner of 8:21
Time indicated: 1:05
